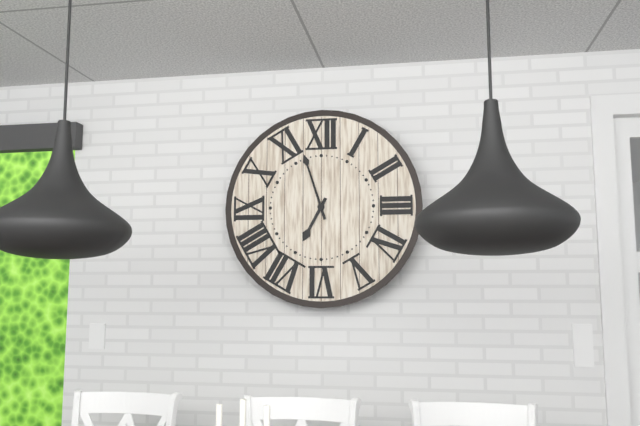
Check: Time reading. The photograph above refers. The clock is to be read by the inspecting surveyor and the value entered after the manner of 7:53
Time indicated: 6:57
